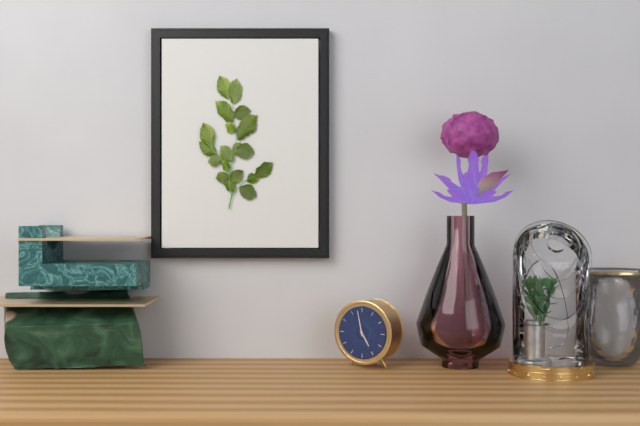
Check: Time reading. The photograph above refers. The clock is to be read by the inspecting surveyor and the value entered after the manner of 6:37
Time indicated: 4:58
